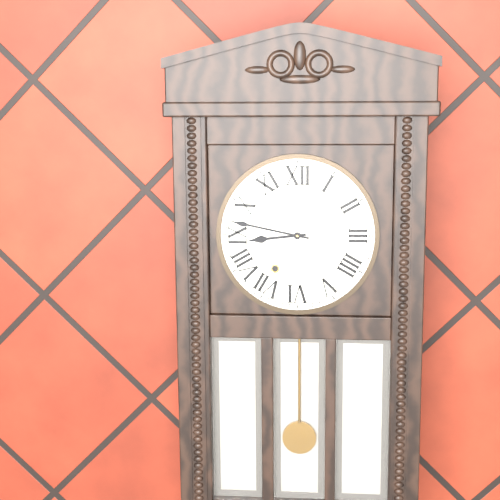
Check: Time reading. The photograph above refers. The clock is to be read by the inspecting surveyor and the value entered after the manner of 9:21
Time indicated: 8:47
